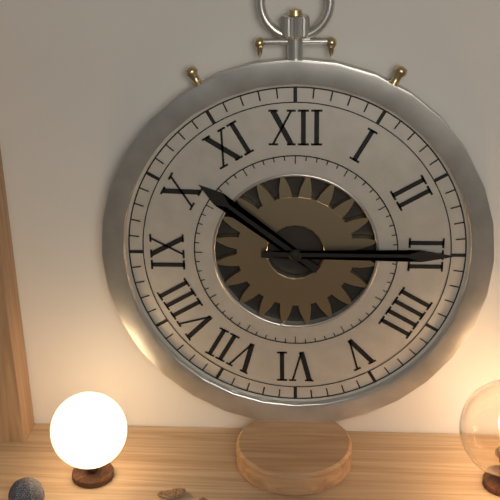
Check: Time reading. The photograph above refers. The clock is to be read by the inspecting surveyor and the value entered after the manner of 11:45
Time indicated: 10:15
